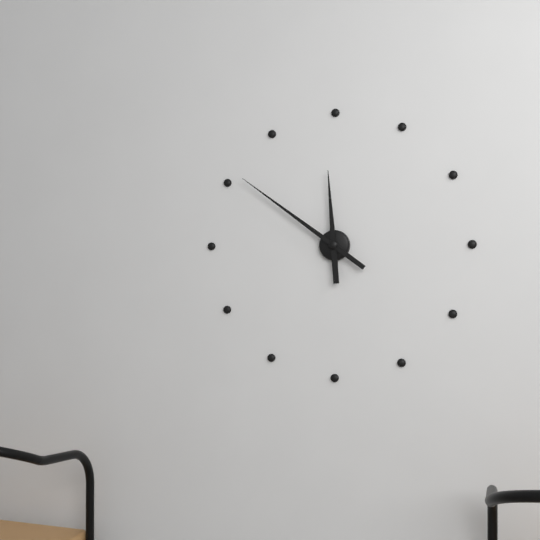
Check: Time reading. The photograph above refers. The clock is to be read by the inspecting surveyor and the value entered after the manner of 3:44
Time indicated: 11:51
